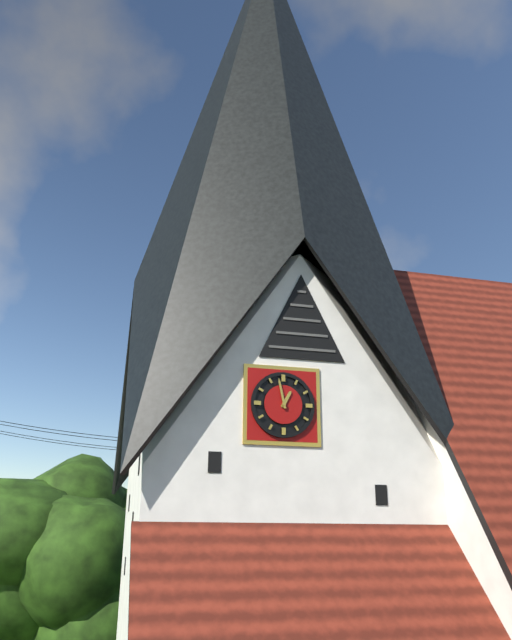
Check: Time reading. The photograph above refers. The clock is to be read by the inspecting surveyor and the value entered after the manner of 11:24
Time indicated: 12:58
